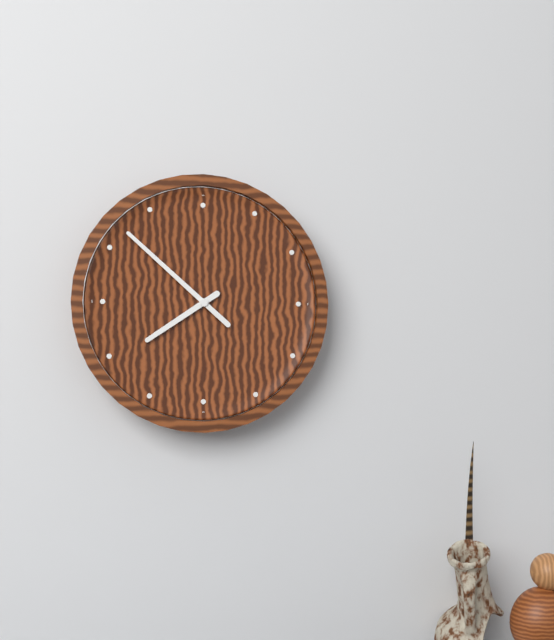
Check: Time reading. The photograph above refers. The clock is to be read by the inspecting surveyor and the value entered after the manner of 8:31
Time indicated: 7:52
